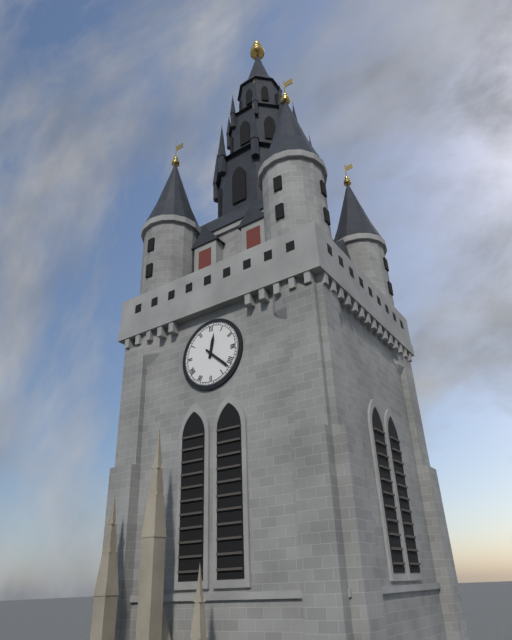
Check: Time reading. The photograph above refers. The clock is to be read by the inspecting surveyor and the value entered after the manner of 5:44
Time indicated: 12:22
